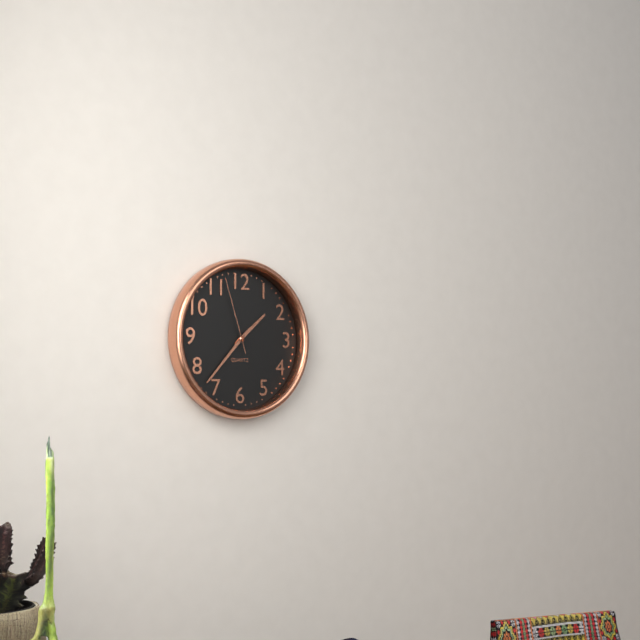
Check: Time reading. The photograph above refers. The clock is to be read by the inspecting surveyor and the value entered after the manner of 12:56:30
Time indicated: 1:37:57
